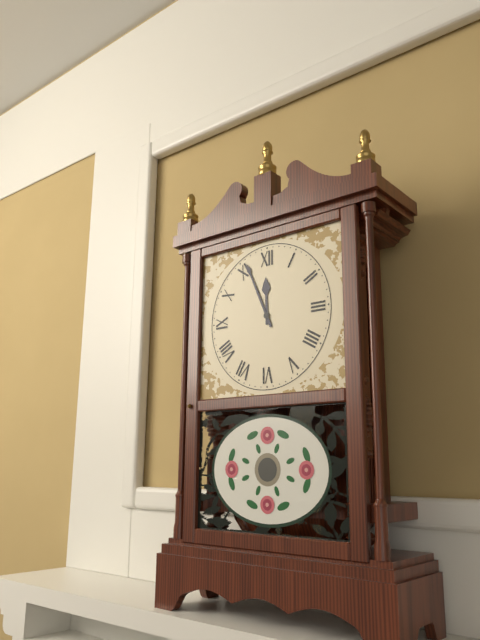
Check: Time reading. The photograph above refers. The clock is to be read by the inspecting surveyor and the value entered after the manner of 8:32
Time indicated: 11:56
